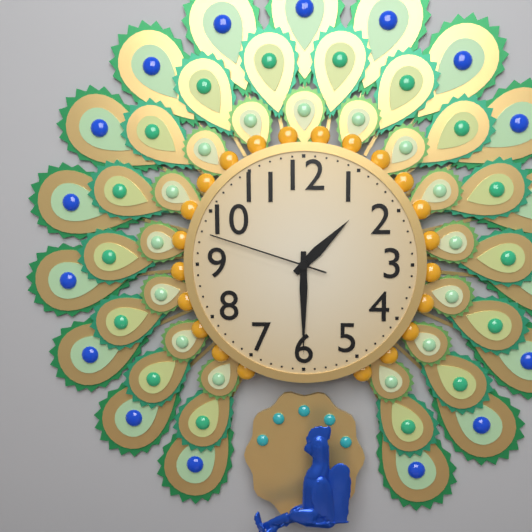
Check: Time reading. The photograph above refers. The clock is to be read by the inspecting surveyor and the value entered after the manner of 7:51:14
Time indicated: 1:30:48
